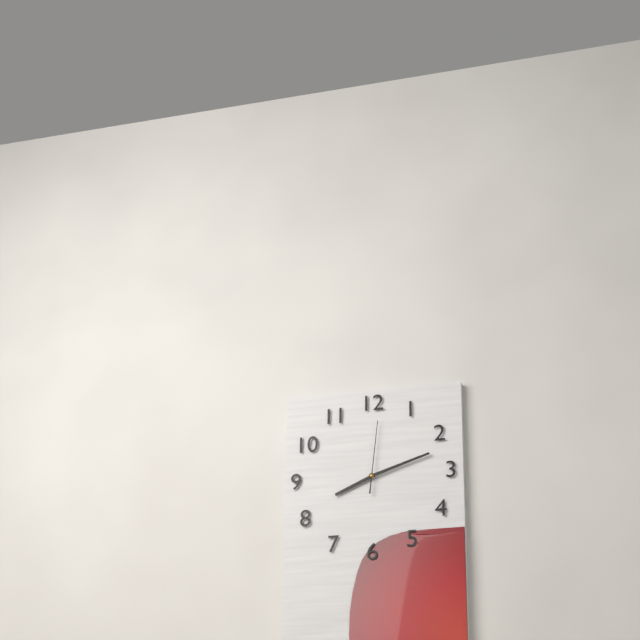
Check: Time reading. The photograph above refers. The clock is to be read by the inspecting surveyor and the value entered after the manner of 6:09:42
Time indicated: 8:12:01
